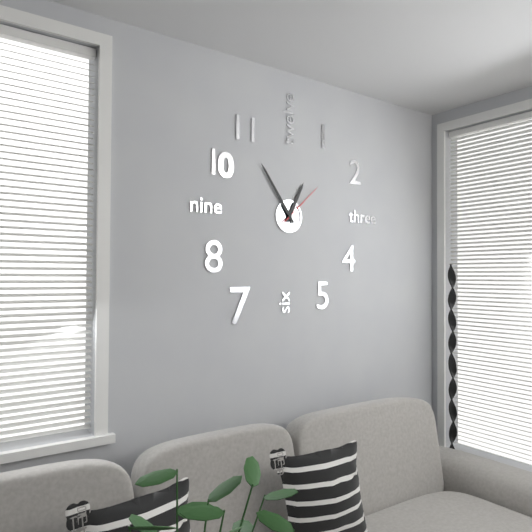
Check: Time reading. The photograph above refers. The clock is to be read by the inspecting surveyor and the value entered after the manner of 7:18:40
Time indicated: 12:54:08
